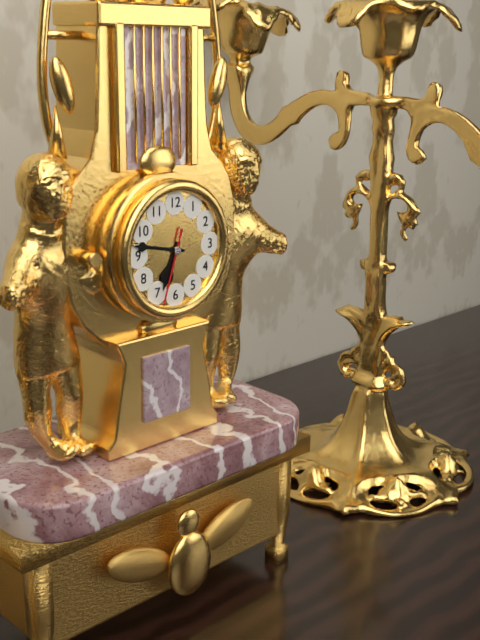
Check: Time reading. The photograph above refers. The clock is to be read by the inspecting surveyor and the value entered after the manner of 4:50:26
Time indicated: 6:47:33
